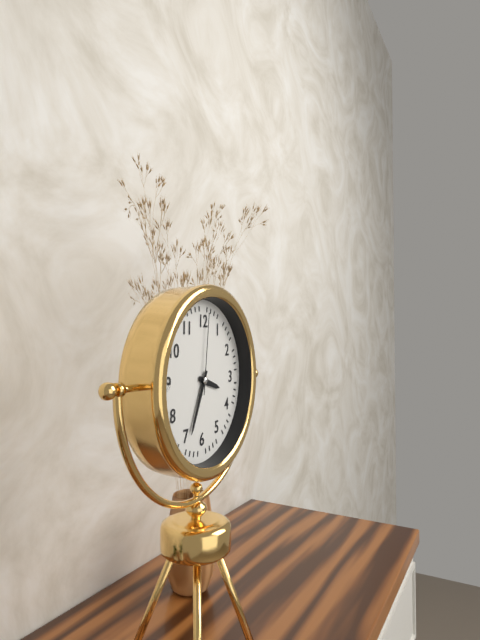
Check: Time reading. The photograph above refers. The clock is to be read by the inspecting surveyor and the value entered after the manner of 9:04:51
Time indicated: 3:34:01
